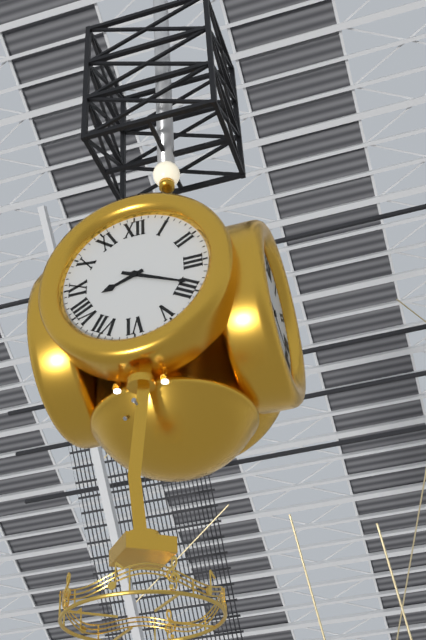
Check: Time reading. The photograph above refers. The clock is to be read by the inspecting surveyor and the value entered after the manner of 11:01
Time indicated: 8:19
